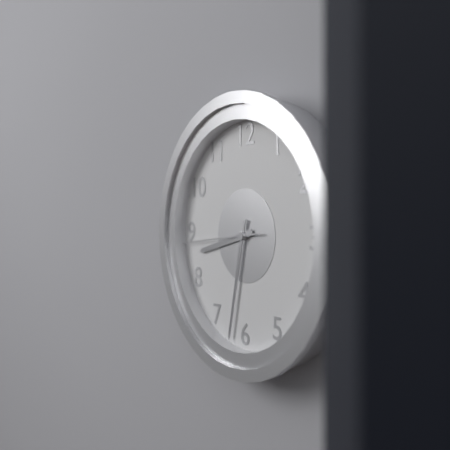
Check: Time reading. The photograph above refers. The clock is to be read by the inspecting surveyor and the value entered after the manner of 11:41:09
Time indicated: 8:32:44
